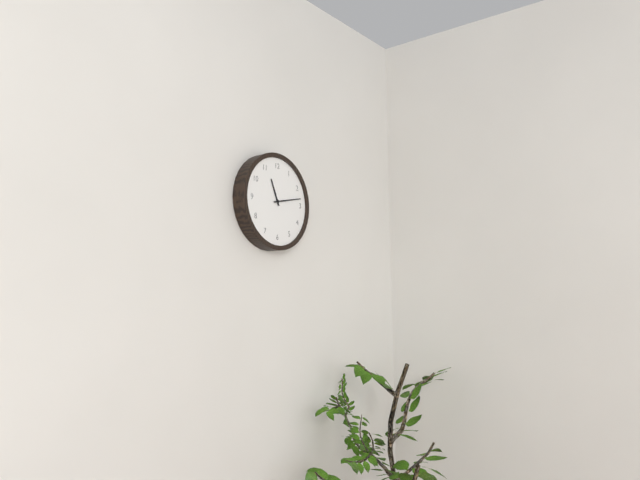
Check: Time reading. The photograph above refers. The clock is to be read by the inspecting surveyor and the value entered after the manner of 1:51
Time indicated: 11:13
